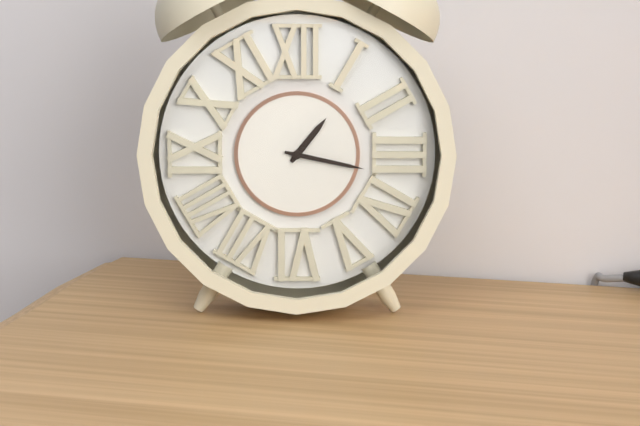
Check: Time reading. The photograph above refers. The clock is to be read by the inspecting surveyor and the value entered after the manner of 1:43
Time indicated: 1:17
